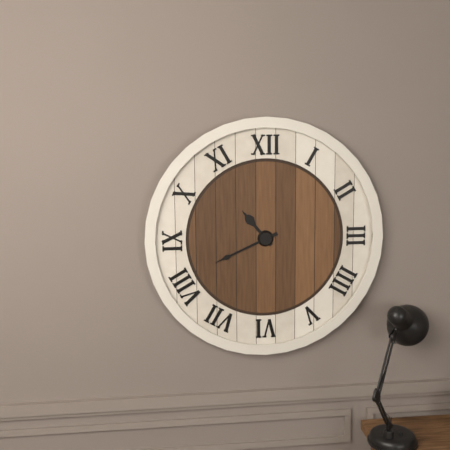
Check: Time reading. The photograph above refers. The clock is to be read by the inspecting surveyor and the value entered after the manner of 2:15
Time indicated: 10:41
